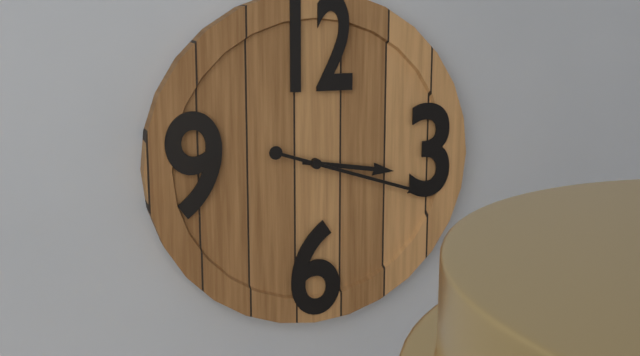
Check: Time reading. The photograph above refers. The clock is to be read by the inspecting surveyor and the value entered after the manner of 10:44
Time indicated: 3:18
